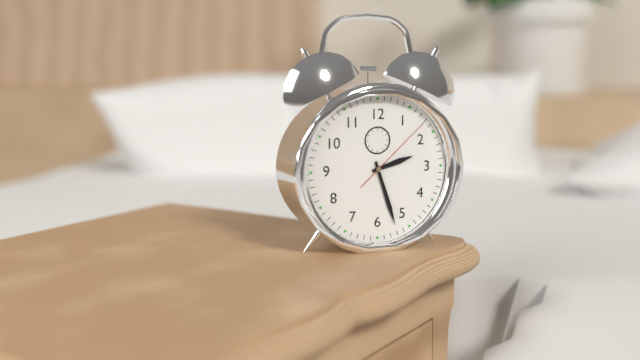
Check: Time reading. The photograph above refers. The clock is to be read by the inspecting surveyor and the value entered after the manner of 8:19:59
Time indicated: 2:27:08
